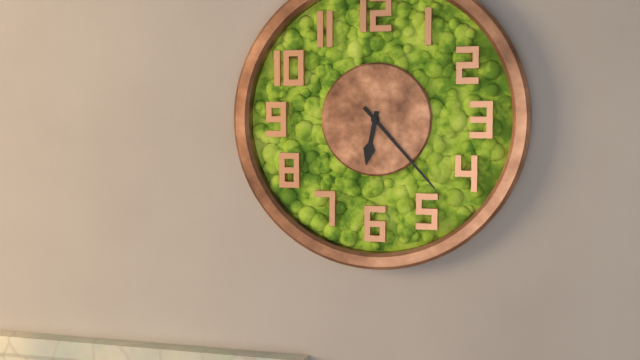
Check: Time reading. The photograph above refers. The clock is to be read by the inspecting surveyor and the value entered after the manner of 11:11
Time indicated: 6:23
